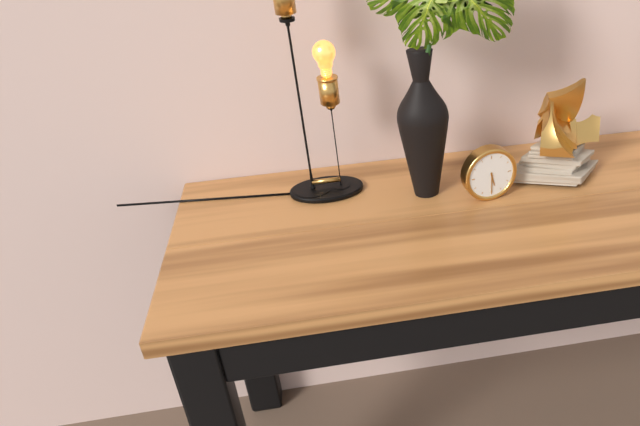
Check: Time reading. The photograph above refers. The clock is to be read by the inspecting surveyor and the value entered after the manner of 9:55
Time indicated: 5:30
